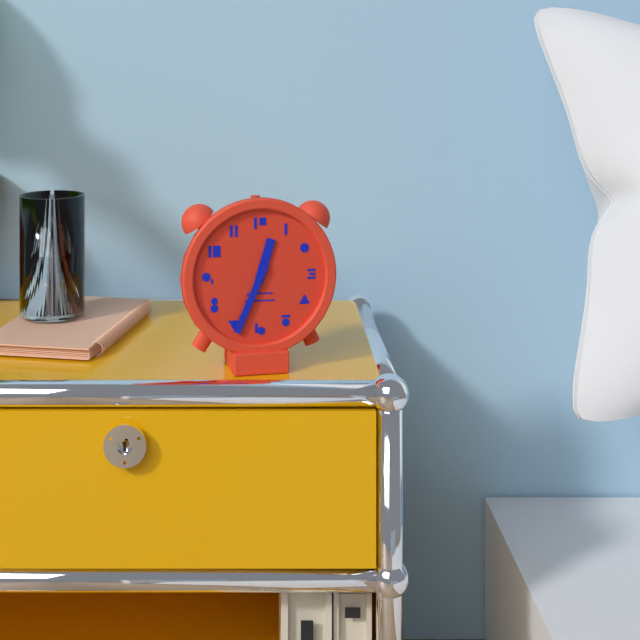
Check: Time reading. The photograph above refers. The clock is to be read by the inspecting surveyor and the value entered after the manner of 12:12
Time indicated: 12:34
